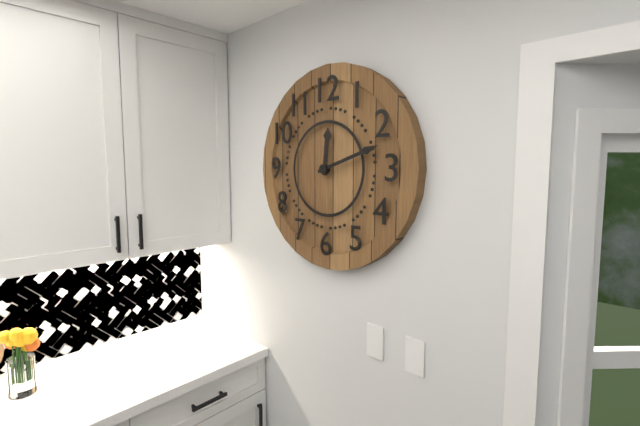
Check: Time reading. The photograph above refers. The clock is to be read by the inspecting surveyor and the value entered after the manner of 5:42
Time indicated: 12:12
